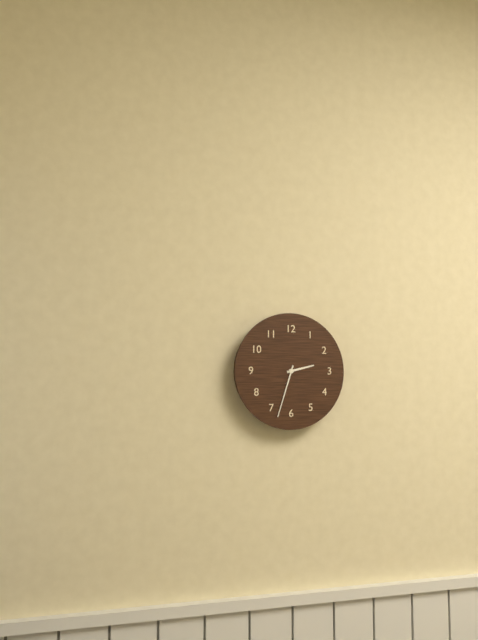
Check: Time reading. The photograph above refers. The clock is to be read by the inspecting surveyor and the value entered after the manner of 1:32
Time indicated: 2:33
